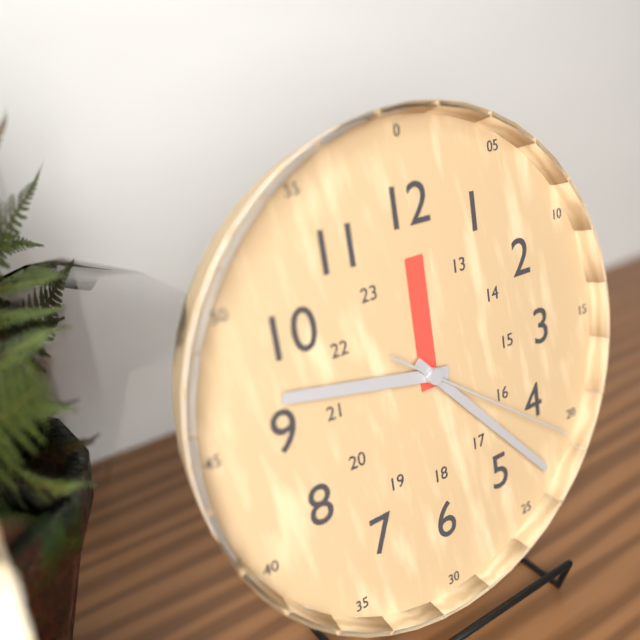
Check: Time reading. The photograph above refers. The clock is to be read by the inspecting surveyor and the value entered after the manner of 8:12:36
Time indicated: 9:23:21
